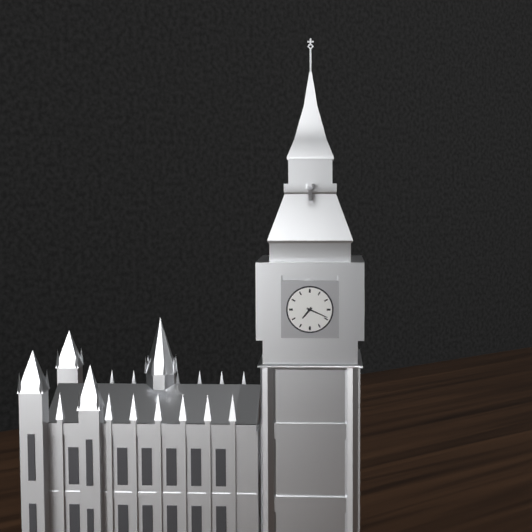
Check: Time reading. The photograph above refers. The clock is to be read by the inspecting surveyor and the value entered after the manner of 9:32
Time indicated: 7:19
